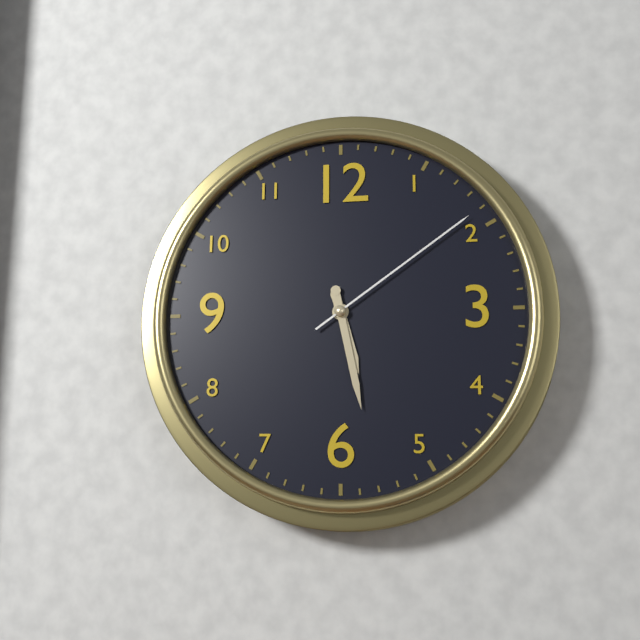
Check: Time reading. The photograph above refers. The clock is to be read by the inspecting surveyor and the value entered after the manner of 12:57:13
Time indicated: 5:28:09
